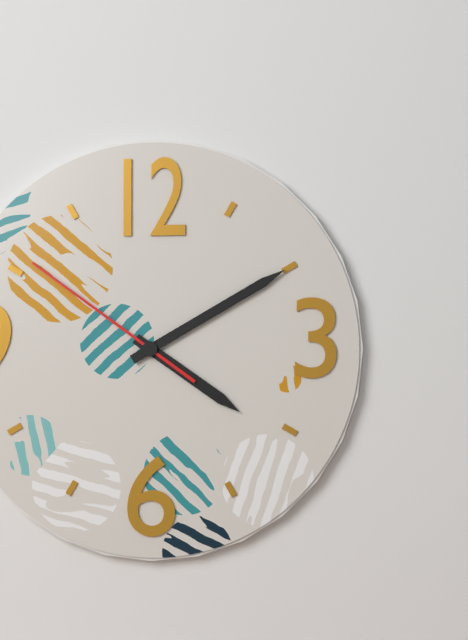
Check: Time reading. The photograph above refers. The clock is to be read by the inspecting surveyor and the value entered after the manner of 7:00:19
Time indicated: 4:10:51
